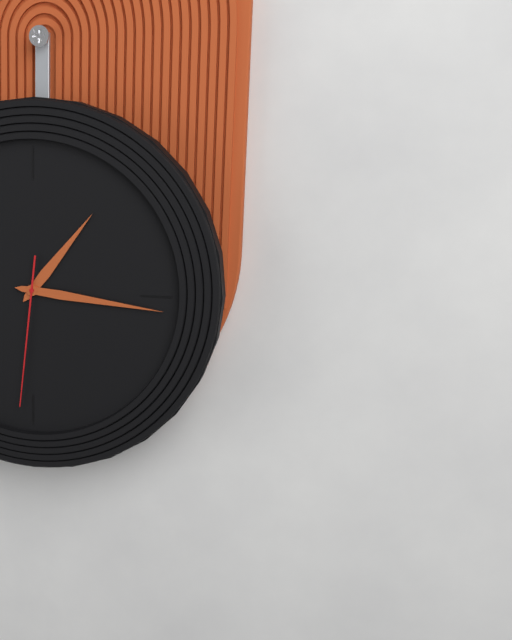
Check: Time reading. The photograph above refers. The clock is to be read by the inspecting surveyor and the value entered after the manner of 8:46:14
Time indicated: 1:16:31
